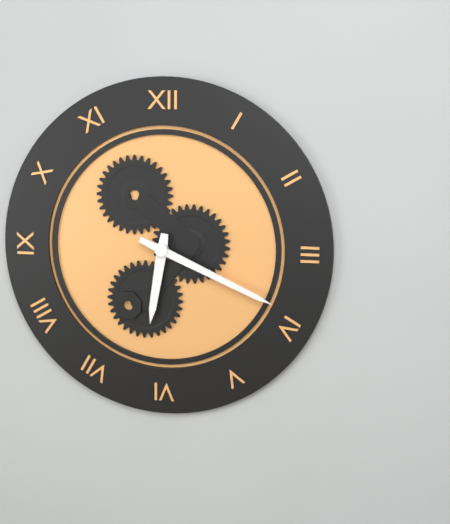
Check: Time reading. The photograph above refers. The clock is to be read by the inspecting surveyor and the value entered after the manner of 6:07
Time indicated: 6:19
